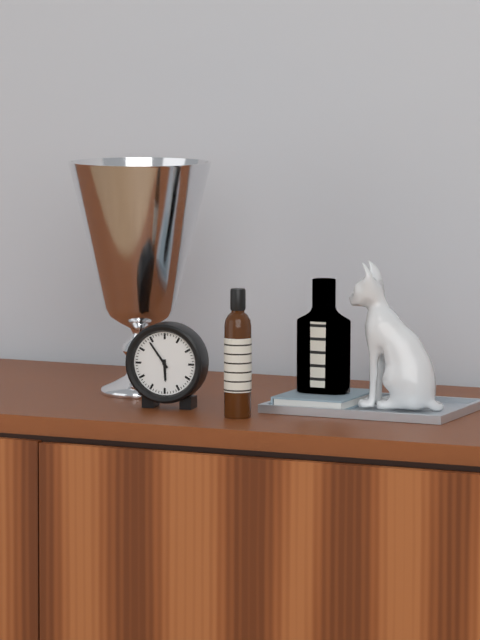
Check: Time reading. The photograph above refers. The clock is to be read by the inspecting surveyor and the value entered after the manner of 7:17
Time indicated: 5:54
